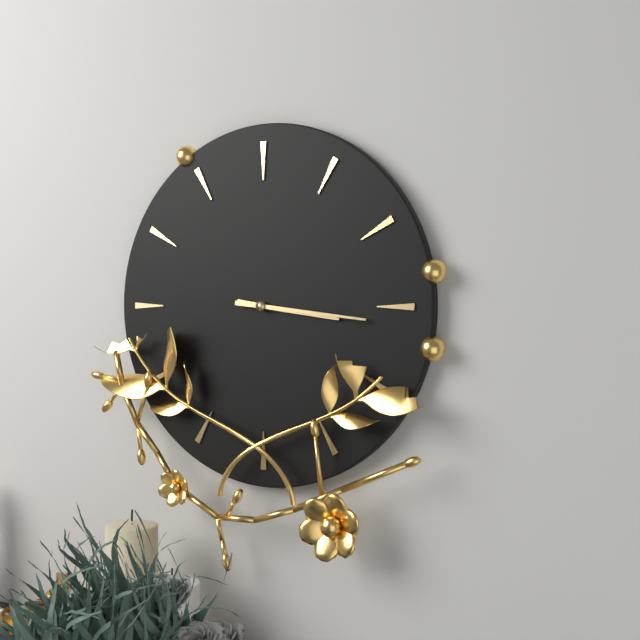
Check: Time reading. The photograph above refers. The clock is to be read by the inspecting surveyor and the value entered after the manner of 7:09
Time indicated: 3:16
